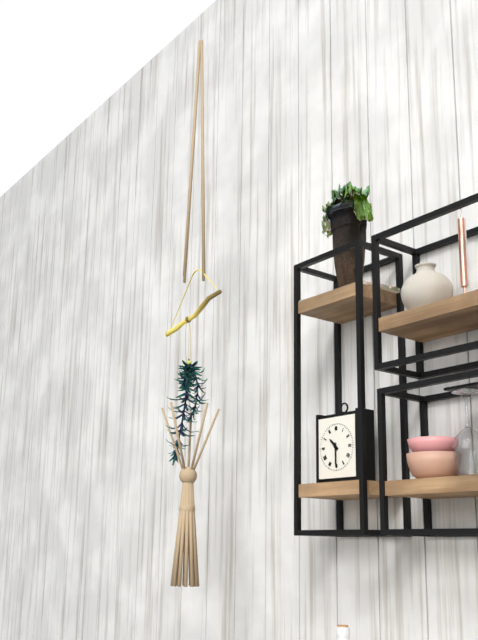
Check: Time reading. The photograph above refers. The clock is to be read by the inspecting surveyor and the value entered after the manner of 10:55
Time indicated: 10:30
